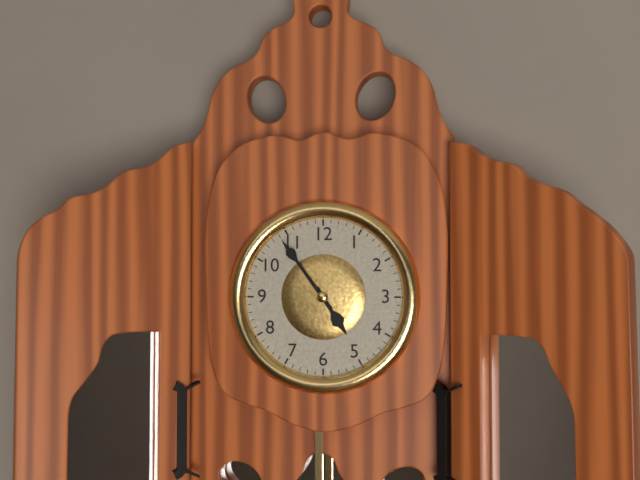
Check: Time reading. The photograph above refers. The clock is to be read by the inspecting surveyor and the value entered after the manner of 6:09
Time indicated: 4:54
